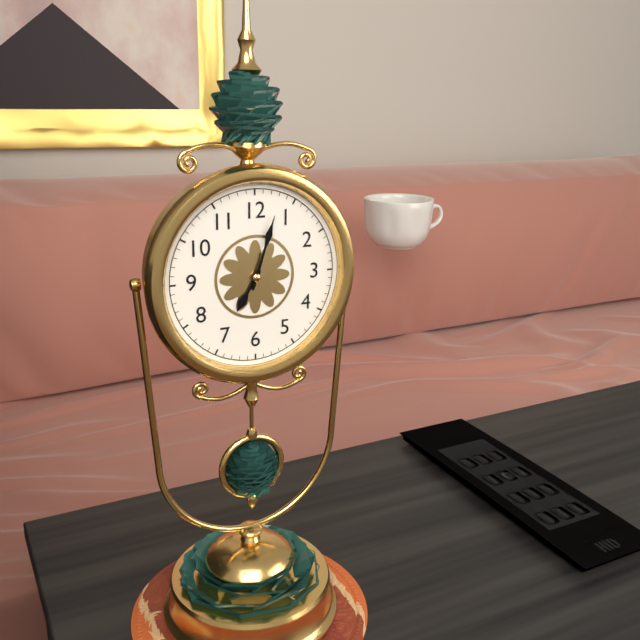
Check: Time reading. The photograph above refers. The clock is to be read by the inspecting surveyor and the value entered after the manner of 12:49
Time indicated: 7:03
